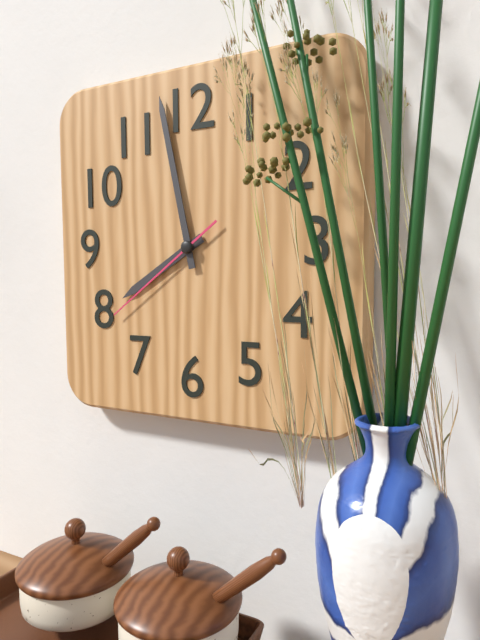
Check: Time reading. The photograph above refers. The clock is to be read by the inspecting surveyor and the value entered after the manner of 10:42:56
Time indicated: 7:58:39
